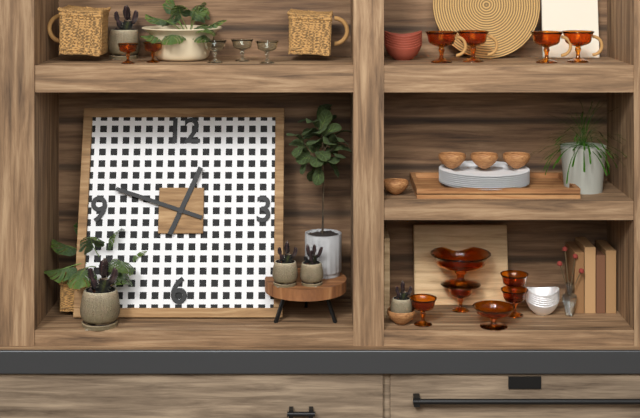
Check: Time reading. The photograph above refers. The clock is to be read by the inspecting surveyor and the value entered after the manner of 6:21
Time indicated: 12:48
